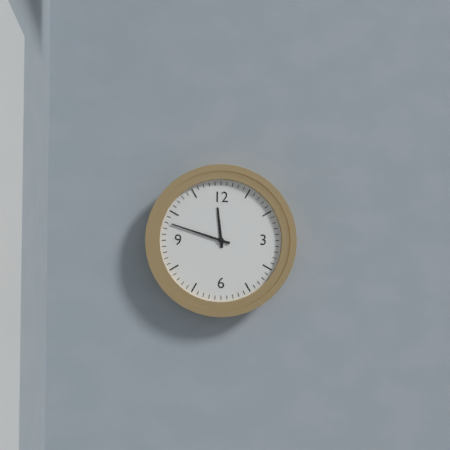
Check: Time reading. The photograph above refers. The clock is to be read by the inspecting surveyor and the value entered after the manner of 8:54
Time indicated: 11:48
